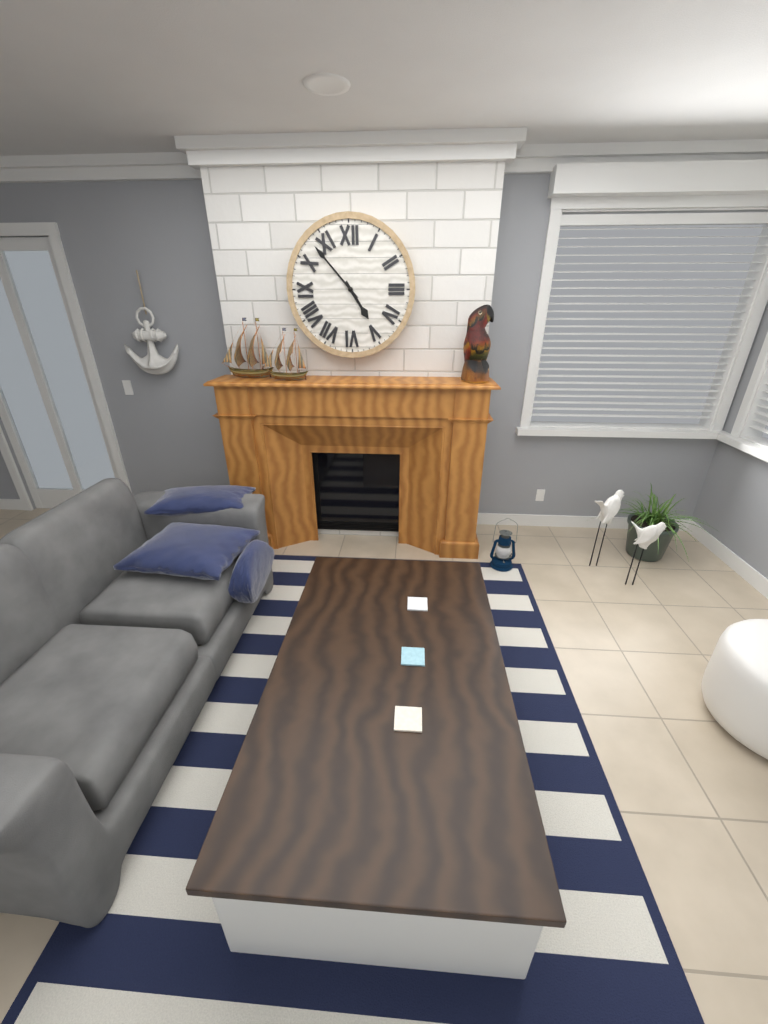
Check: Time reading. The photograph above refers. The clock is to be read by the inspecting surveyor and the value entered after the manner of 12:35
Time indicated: 4:53
